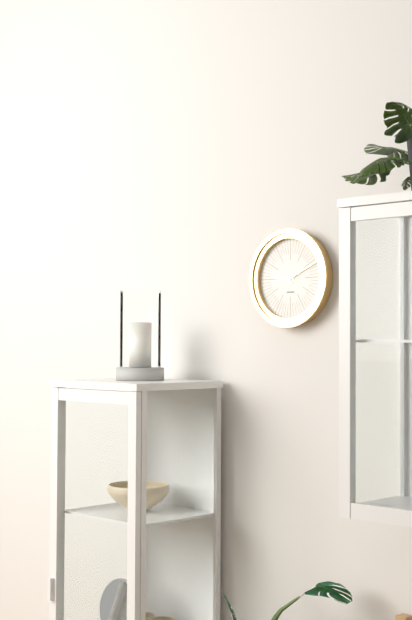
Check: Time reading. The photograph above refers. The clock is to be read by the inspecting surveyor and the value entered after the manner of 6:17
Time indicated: 9:11
